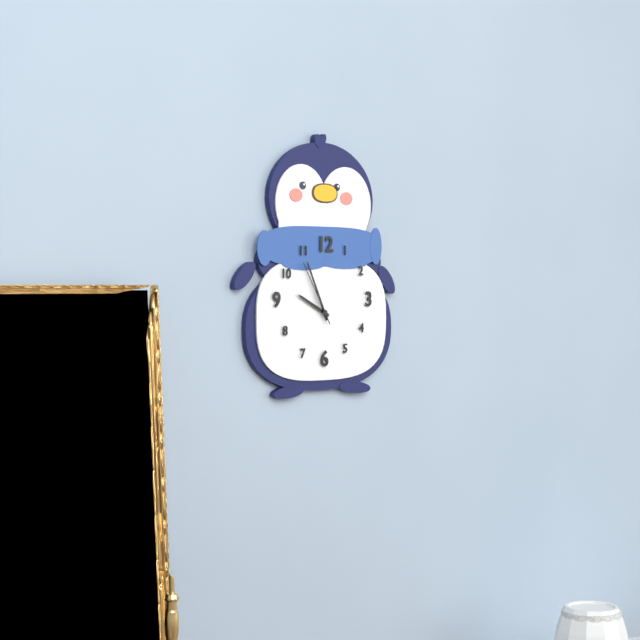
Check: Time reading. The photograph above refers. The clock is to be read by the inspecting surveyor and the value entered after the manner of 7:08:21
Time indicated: 9:56:55
